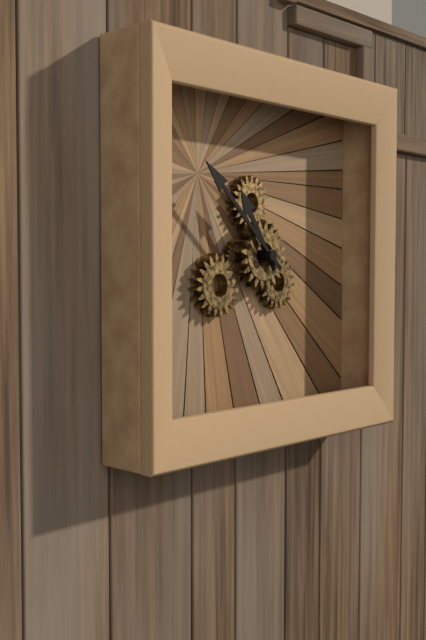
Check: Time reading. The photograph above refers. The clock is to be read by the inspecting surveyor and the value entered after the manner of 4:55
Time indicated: 10:52
